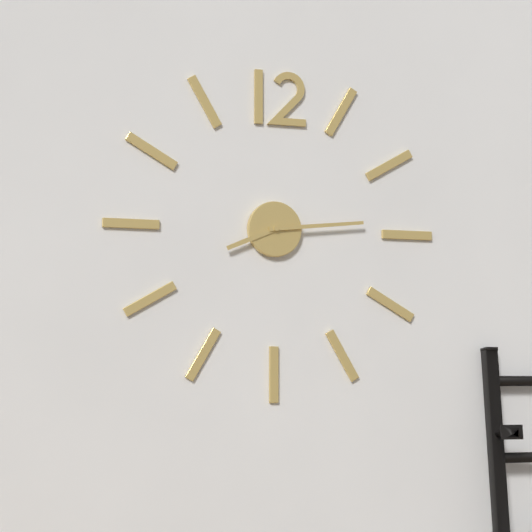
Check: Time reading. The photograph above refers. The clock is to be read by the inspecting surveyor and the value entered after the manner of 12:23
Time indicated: 8:14
